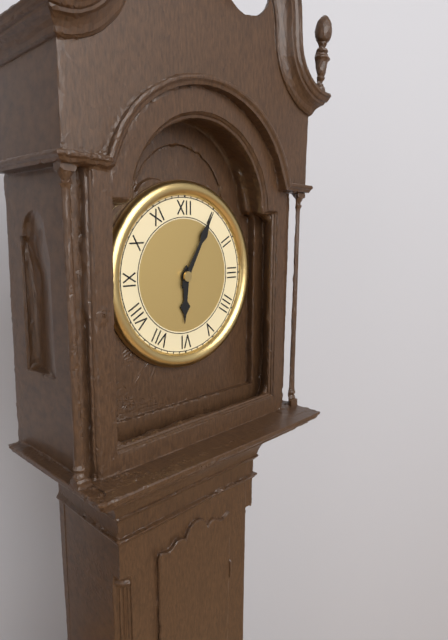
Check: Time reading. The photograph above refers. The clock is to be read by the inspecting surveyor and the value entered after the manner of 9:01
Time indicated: 6:05
